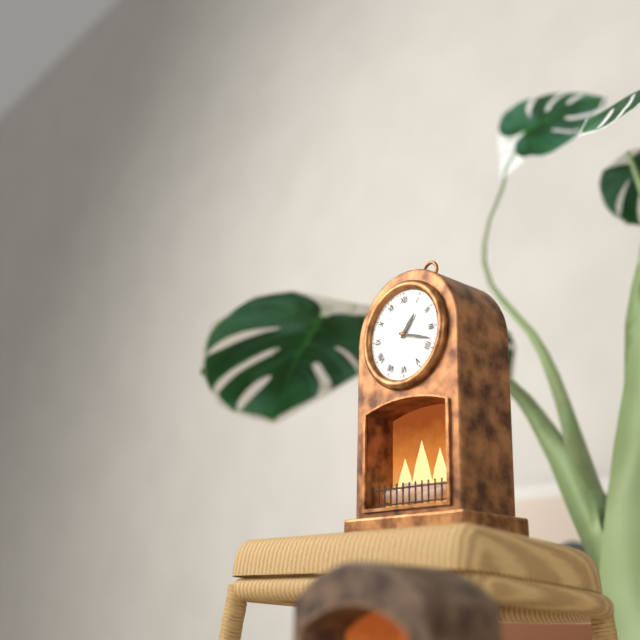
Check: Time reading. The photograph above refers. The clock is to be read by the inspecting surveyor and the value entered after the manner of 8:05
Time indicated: 1:18
